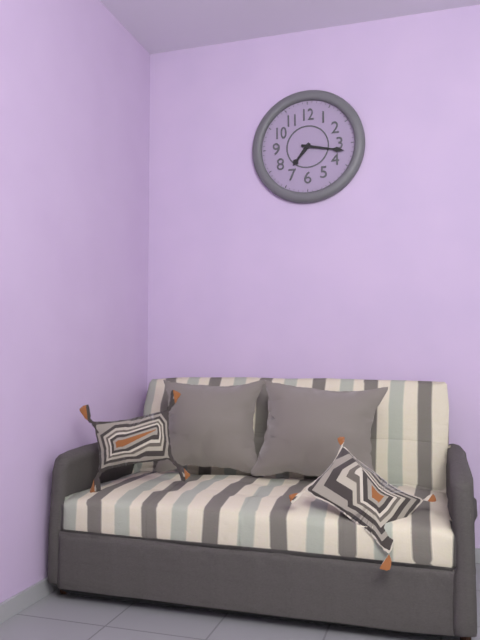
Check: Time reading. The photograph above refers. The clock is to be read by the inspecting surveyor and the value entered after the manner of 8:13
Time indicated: 7:17
